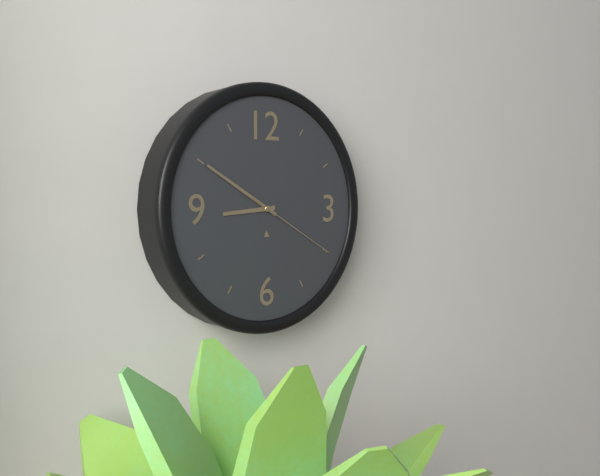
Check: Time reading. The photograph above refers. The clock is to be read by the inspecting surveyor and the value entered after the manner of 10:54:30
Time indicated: 8:50:20
